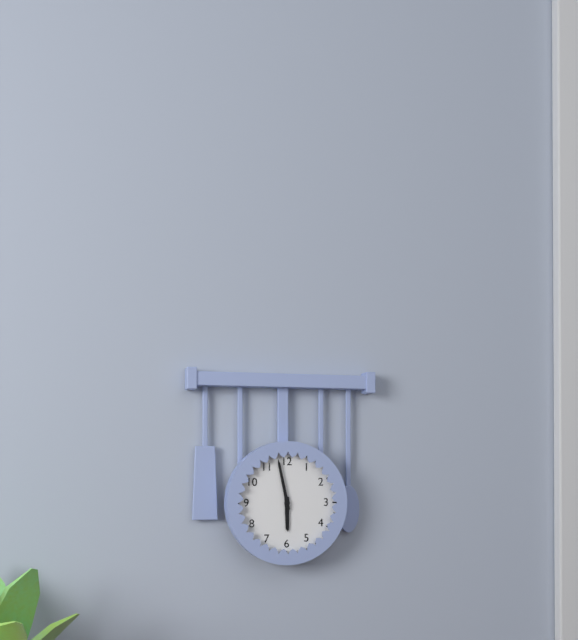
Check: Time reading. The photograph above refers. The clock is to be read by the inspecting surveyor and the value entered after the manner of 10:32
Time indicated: 5:58
